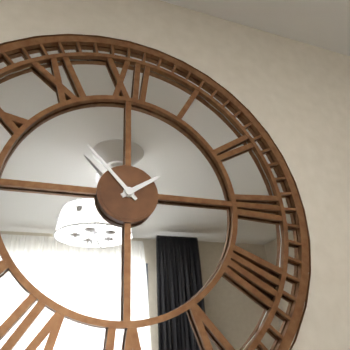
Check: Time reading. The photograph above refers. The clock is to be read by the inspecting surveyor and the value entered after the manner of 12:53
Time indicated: 1:53
